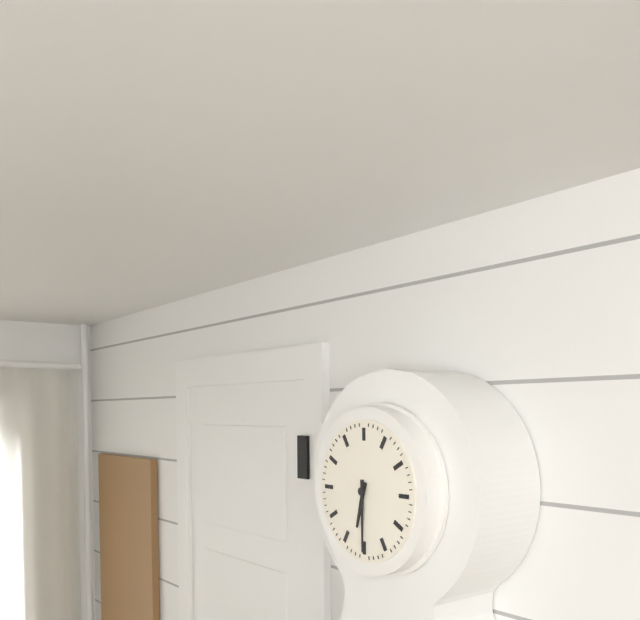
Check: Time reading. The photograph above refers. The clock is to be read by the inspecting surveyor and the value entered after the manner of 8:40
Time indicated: 6:30
